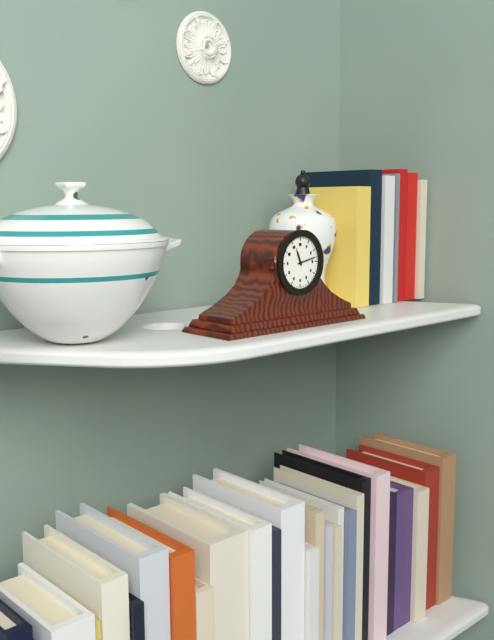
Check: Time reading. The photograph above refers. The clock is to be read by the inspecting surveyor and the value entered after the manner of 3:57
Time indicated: 11:13
